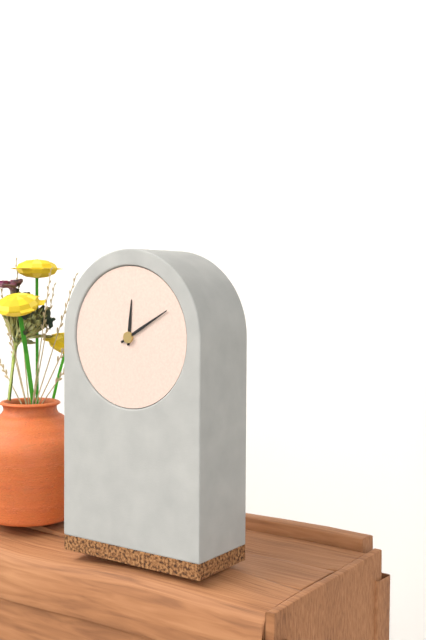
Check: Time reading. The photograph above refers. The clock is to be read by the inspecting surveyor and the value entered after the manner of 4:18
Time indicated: 12:10
